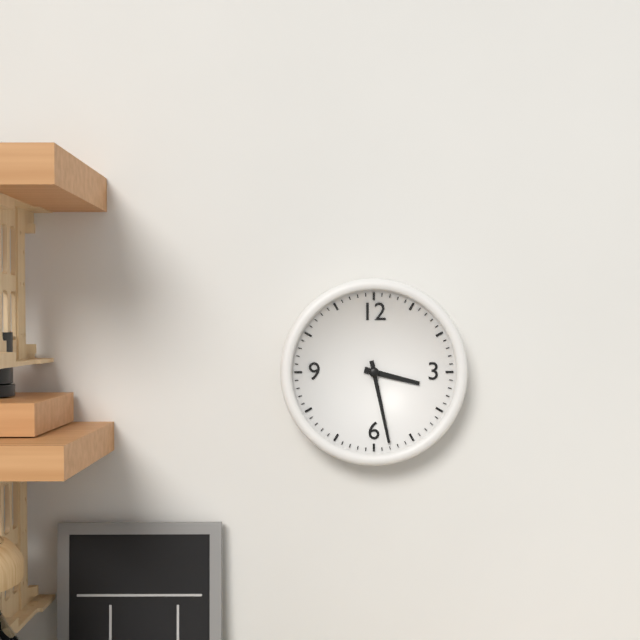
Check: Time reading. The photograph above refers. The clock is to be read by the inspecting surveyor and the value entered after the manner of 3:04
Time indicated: 3:28
